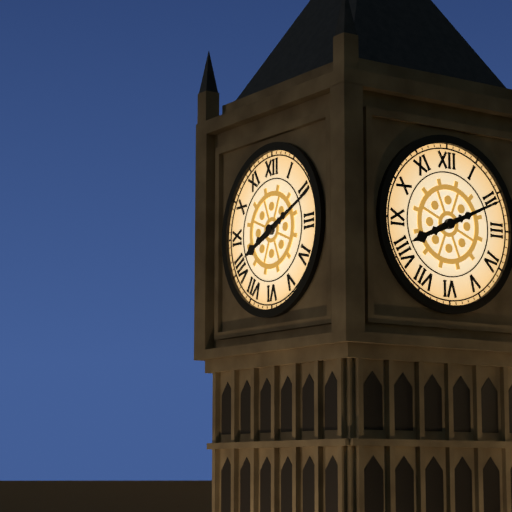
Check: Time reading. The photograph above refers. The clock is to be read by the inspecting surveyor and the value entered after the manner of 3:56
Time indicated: 8:11
